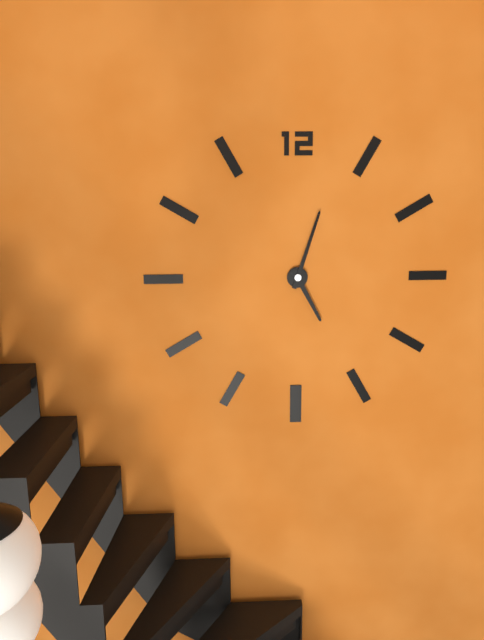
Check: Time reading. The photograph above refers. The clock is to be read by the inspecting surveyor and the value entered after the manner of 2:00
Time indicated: 5:03
